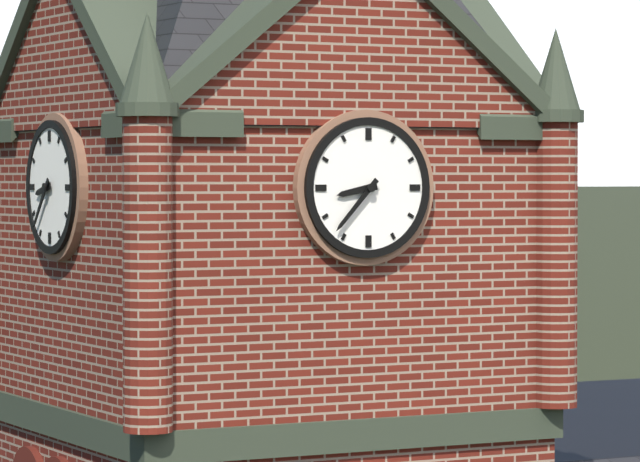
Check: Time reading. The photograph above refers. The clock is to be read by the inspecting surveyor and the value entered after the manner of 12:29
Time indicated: 8:37
